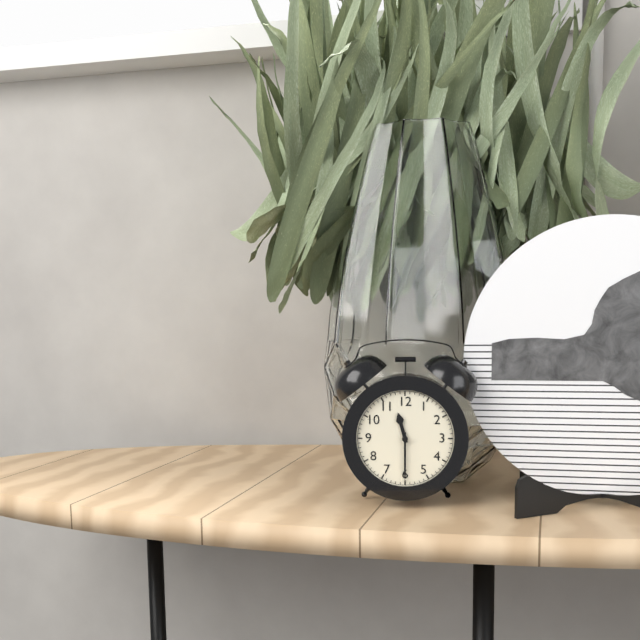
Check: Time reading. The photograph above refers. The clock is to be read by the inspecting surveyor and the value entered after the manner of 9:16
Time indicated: 11:30
